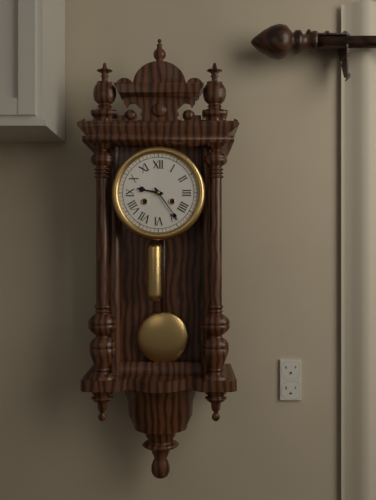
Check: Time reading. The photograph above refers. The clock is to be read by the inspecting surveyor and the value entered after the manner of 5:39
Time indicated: 9:24
